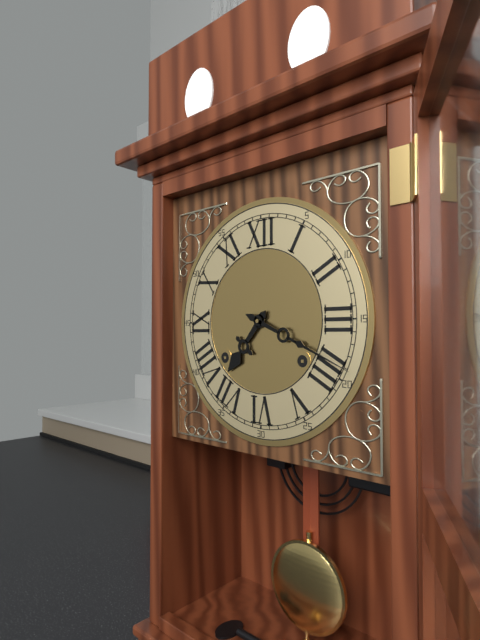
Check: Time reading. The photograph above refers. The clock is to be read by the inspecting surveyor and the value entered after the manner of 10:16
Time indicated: 7:19
